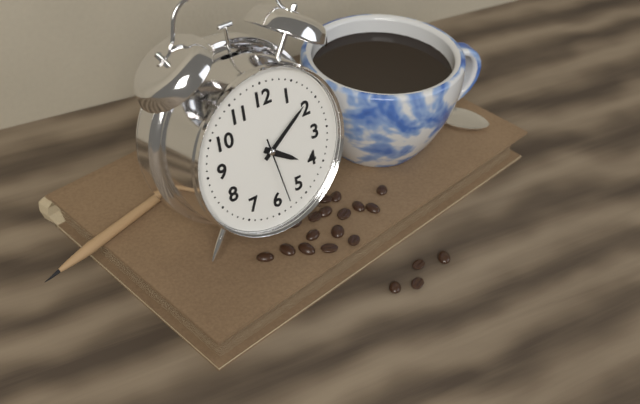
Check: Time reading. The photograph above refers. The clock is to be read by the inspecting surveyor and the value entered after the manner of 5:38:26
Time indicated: 4:09:28
